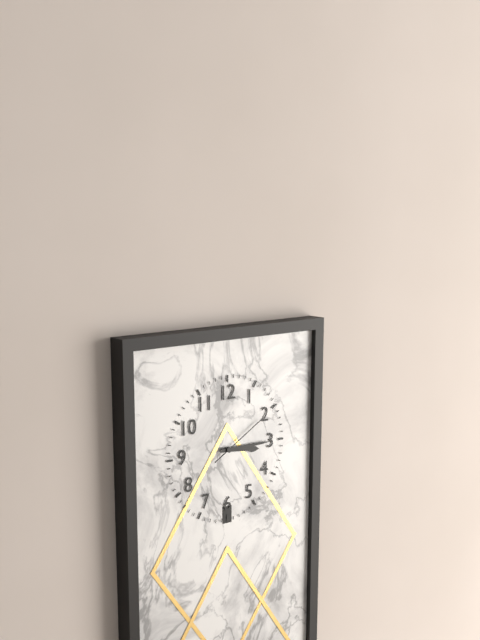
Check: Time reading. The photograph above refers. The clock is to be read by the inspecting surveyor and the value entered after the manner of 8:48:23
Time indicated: 3:15:10
